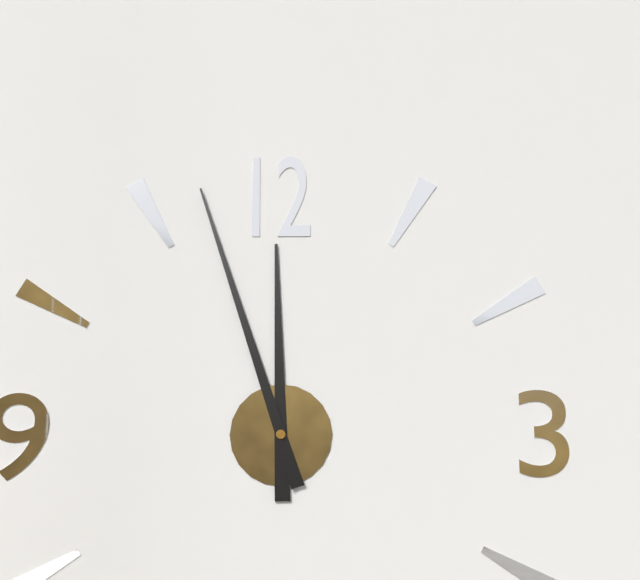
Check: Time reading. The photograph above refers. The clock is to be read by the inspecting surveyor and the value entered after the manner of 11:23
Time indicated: 11:57
